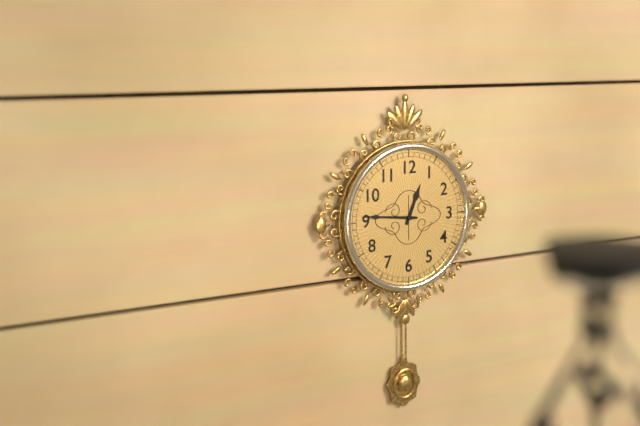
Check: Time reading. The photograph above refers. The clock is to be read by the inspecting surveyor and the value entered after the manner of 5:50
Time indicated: 12:46
